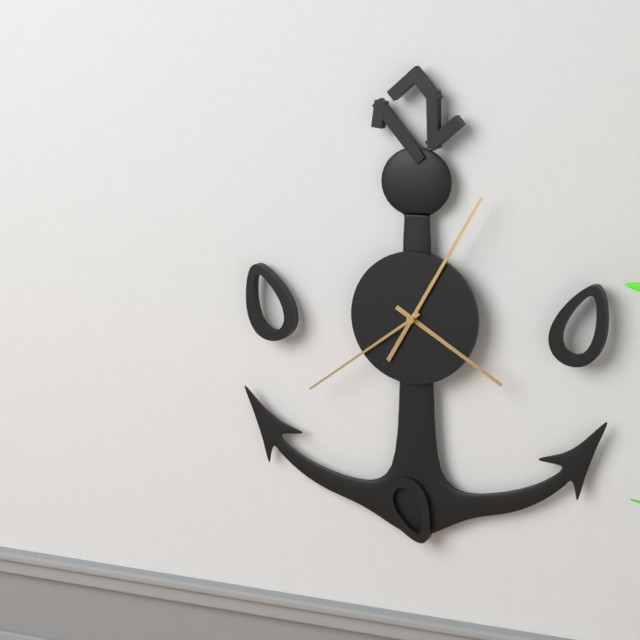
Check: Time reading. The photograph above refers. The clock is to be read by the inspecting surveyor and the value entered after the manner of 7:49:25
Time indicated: 4:05:39
